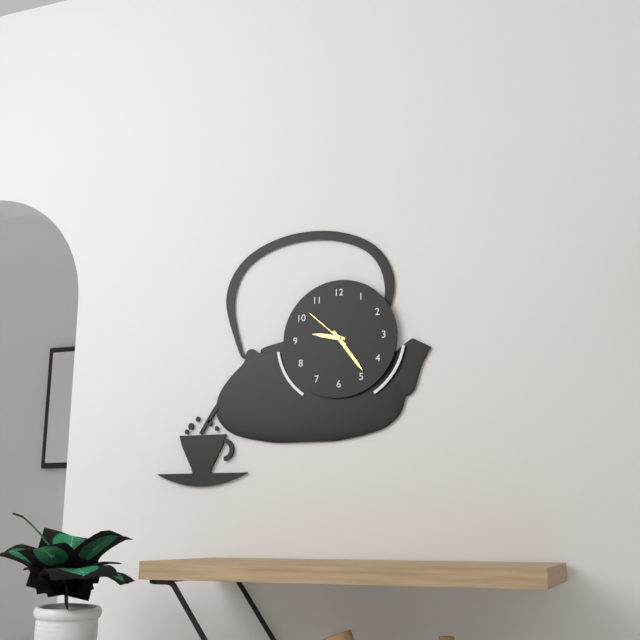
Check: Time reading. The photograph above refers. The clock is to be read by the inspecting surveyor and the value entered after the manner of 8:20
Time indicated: 9:24
